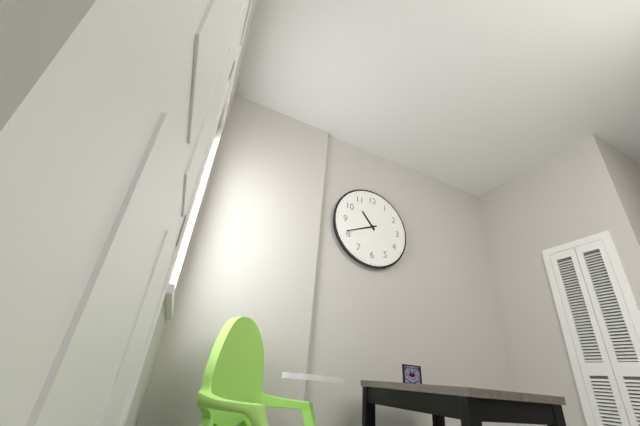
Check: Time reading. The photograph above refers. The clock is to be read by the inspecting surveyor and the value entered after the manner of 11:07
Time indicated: 10:41
